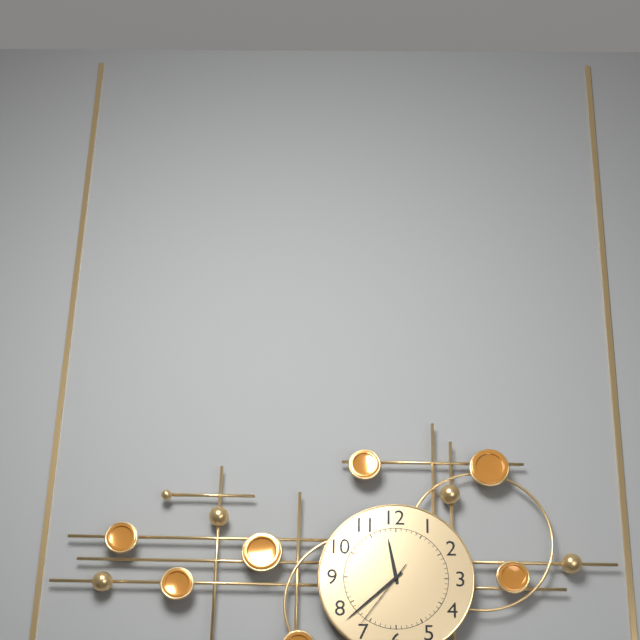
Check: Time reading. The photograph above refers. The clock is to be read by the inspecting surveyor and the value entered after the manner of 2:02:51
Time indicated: 11:38:36
